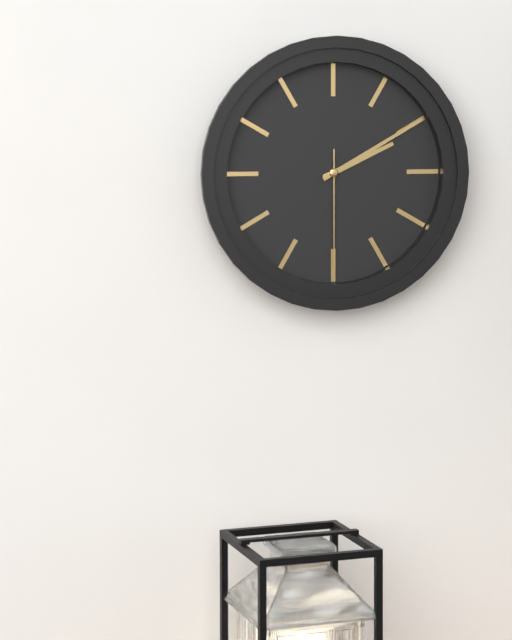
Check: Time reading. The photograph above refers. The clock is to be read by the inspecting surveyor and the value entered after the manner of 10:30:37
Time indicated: 2:10:30
